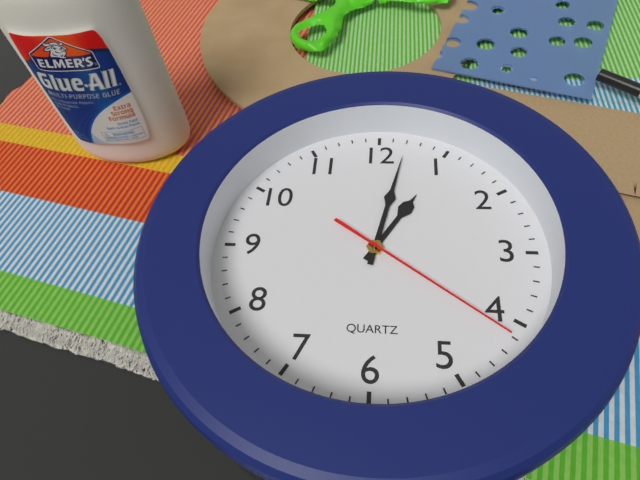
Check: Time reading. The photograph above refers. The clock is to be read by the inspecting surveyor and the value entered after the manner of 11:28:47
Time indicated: 1:02:21
